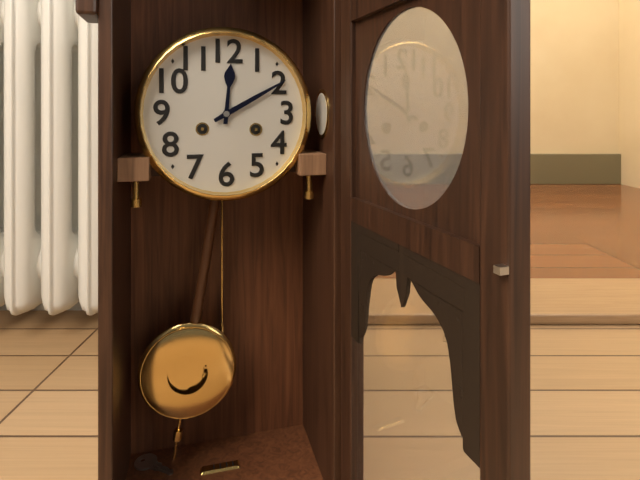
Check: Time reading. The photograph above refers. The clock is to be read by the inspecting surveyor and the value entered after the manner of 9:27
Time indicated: 12:10
